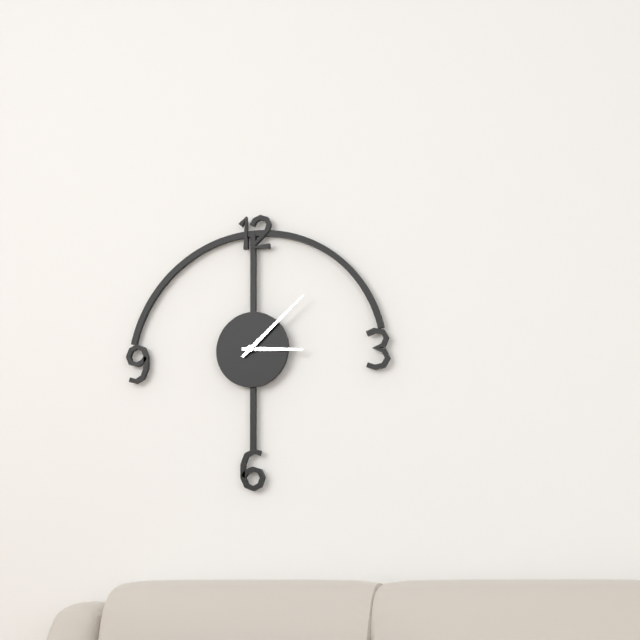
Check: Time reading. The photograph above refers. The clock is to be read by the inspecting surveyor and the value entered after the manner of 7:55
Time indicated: 3:08
